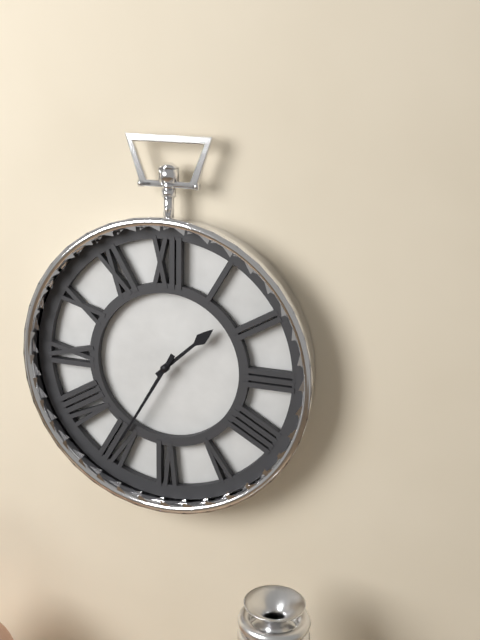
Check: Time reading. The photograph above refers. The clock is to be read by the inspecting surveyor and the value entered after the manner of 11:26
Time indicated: 1:35
